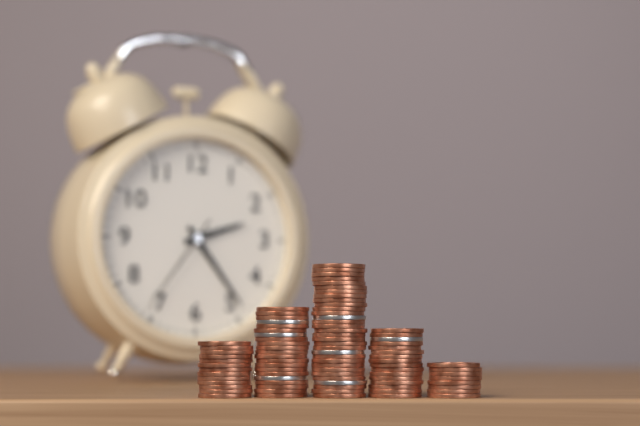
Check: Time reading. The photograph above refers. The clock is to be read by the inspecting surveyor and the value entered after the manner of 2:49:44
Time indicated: 2:24:36
